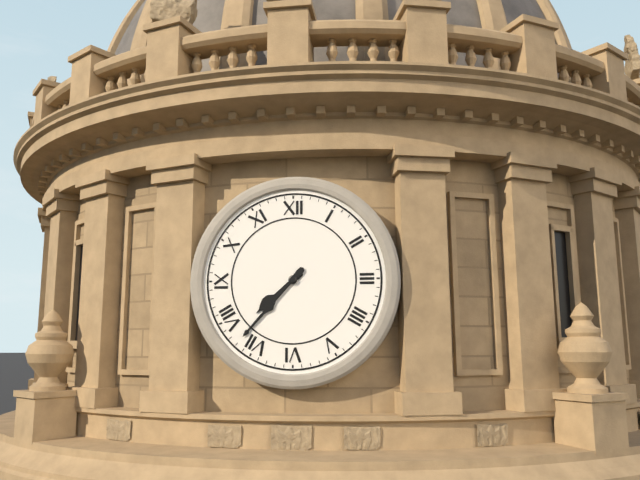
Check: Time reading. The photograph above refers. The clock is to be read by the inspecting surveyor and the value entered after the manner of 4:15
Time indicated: 7:37
